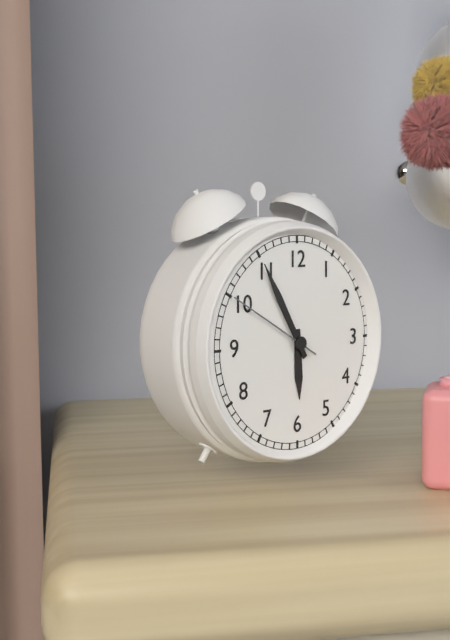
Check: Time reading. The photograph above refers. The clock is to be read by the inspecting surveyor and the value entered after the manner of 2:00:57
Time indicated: 5:55:50
